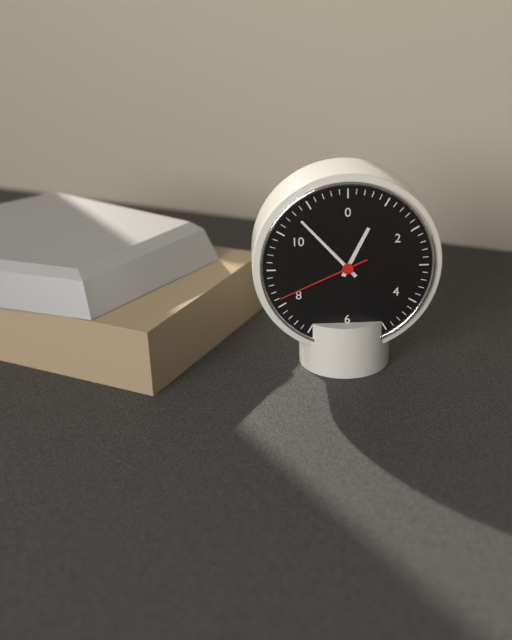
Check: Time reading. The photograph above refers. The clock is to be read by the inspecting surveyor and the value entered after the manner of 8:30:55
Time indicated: 12:53:41
